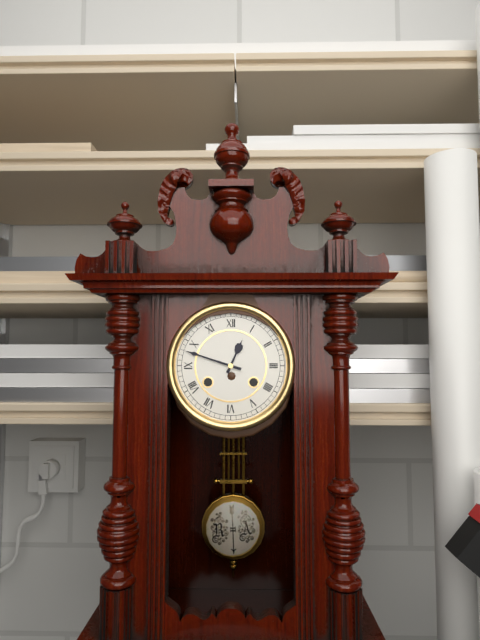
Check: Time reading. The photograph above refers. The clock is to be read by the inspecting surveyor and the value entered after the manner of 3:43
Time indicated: 12:48
